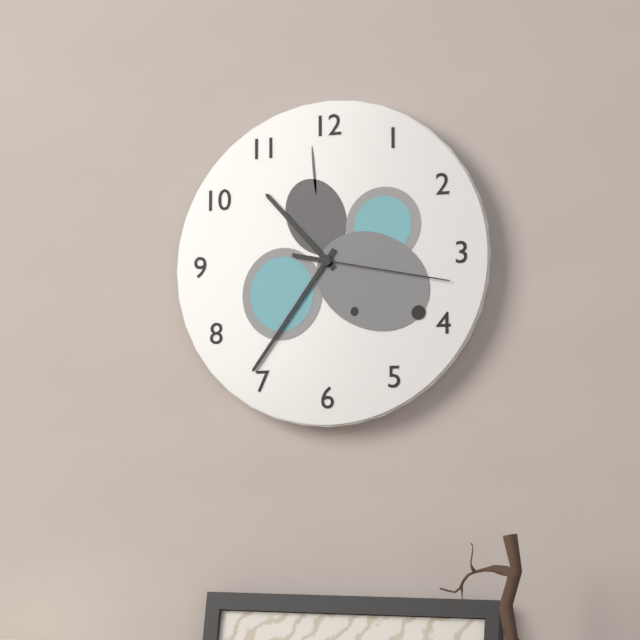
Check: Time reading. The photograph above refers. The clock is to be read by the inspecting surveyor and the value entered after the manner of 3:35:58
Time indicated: 10:36:17
